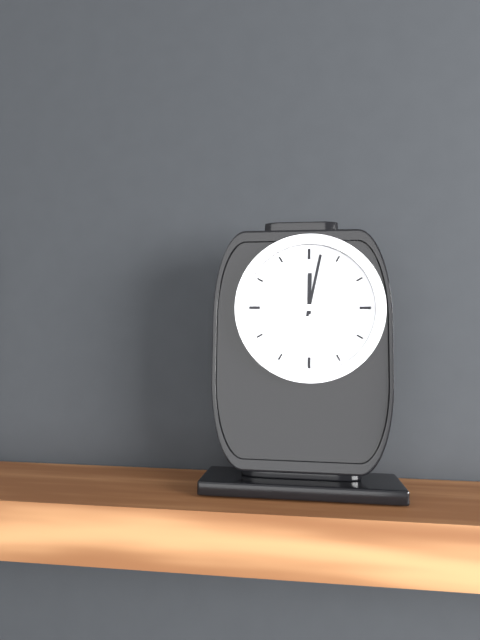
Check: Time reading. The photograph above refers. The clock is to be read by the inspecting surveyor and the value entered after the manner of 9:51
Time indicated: 12:02
